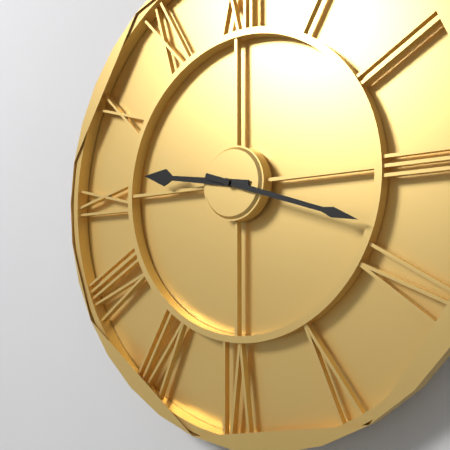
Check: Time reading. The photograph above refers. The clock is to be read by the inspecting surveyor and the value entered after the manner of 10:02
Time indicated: 9:18
